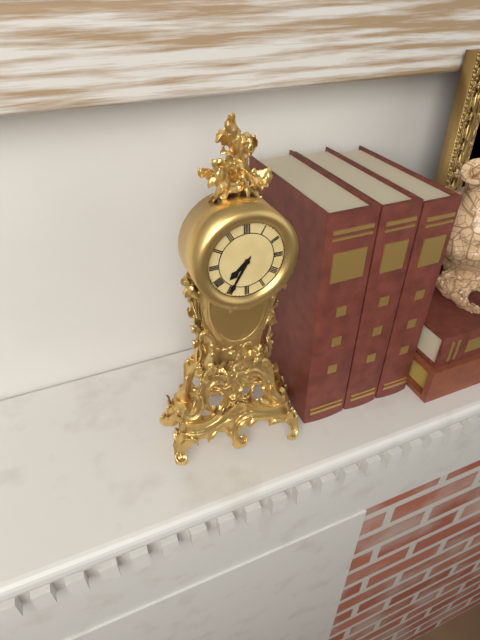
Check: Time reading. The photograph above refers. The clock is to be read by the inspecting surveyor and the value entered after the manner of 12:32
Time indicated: 7:35
